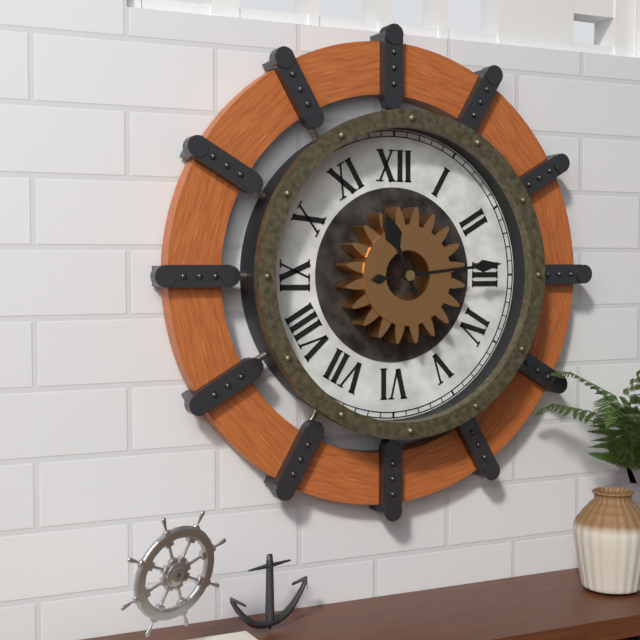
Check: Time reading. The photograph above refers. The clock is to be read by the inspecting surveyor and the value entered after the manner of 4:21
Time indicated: 11:14
